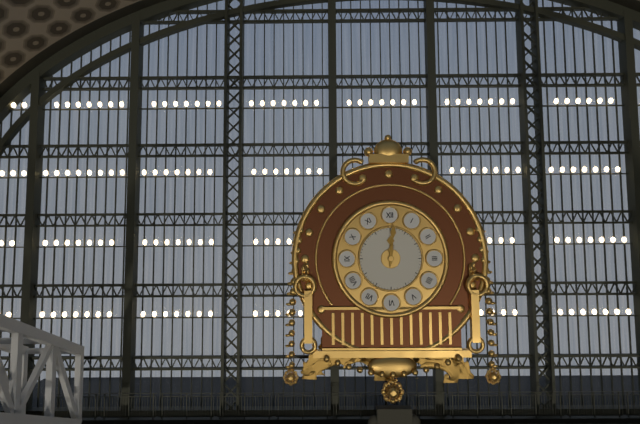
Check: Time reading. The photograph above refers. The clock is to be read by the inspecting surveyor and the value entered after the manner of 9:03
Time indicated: 12:01
